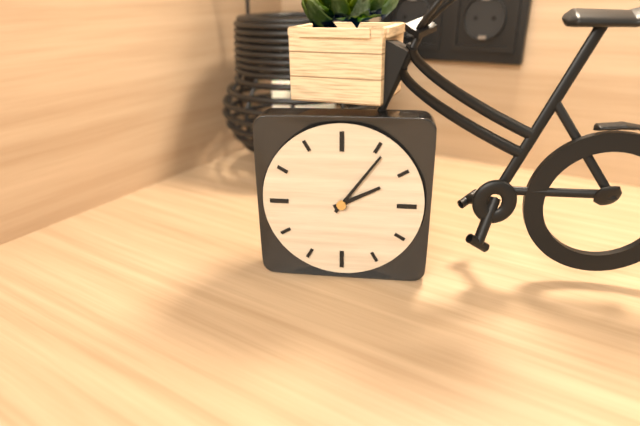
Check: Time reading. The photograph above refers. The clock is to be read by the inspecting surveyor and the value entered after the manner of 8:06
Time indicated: 2:06
